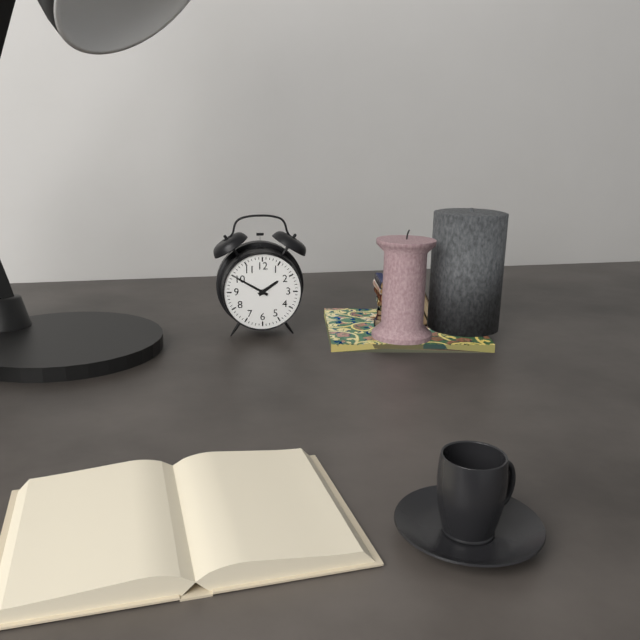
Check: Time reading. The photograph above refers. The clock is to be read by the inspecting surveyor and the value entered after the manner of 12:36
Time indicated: 1:50
